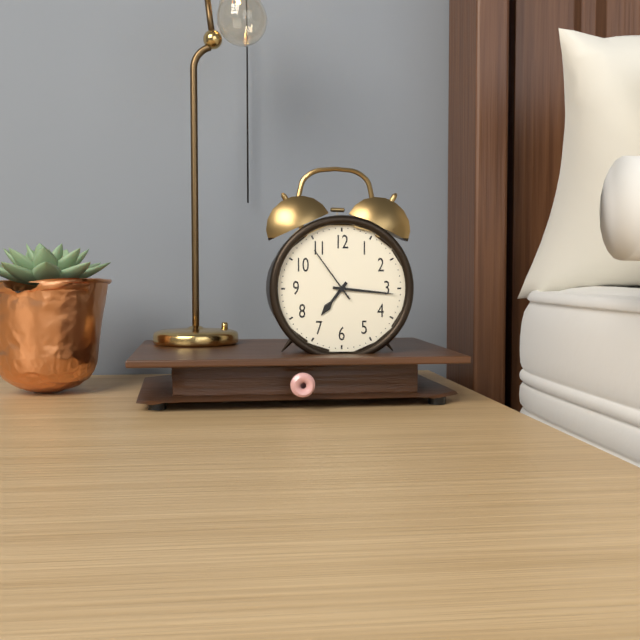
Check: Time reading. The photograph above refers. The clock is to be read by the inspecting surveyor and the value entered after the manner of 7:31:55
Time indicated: 7:16:54
